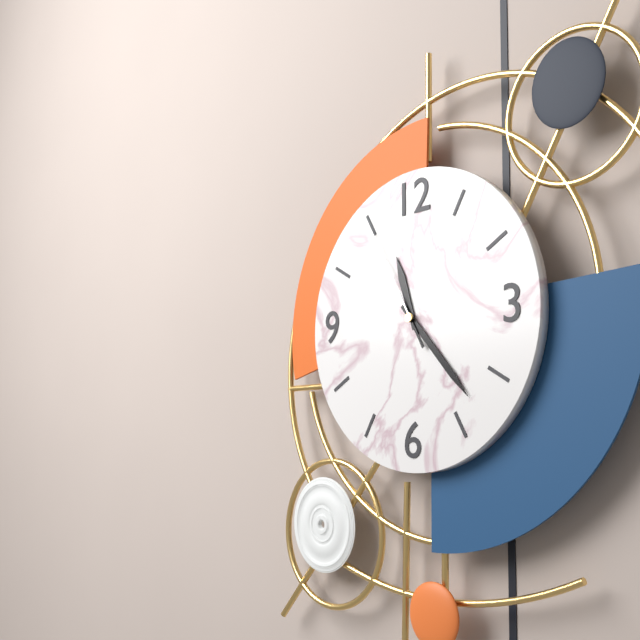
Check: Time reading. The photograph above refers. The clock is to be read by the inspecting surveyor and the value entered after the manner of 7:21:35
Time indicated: 11:23:55
